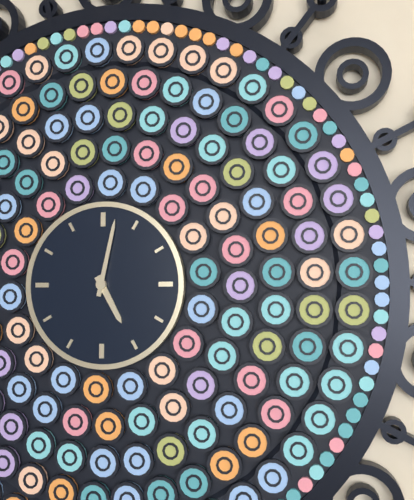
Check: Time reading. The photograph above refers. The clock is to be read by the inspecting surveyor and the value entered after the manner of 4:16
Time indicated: 5:02
